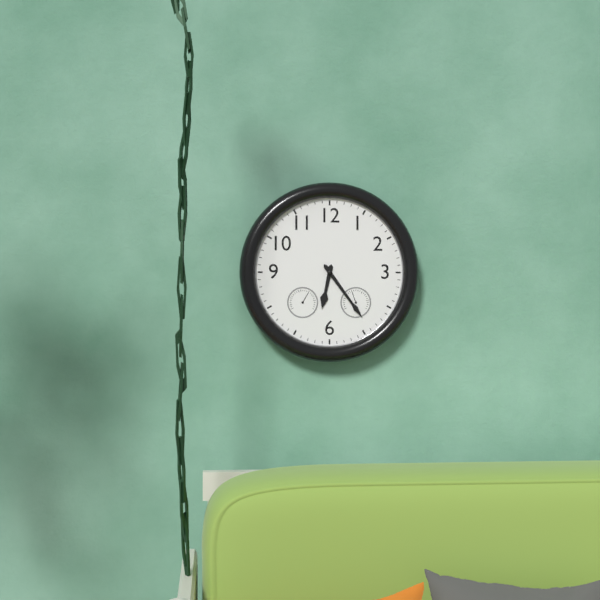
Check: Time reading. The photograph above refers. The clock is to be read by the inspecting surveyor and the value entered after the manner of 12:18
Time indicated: 6:24
